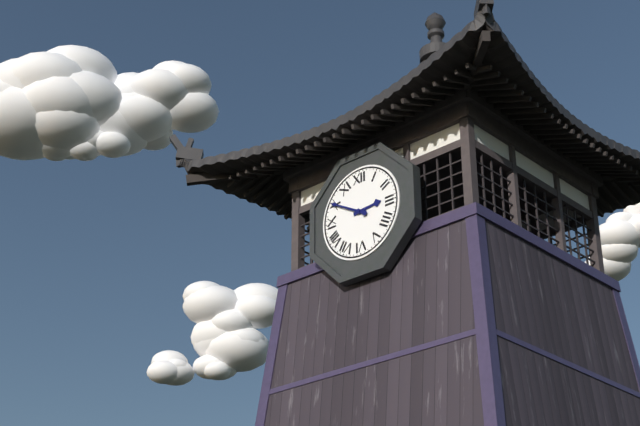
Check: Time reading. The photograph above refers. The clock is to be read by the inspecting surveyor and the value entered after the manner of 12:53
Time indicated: 2:50
